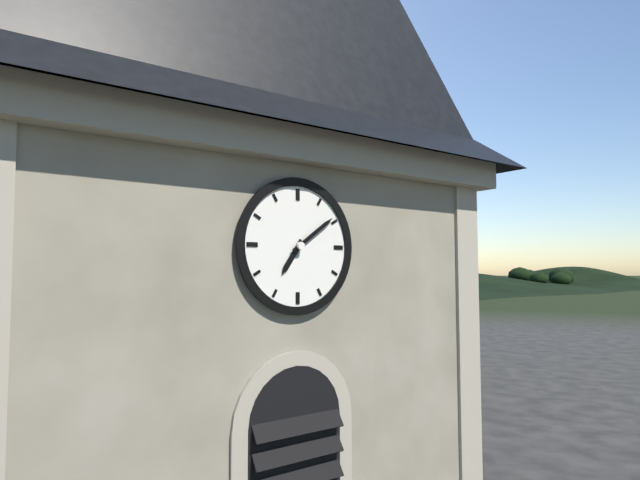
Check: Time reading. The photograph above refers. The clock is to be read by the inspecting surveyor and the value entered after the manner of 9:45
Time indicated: 7:09
